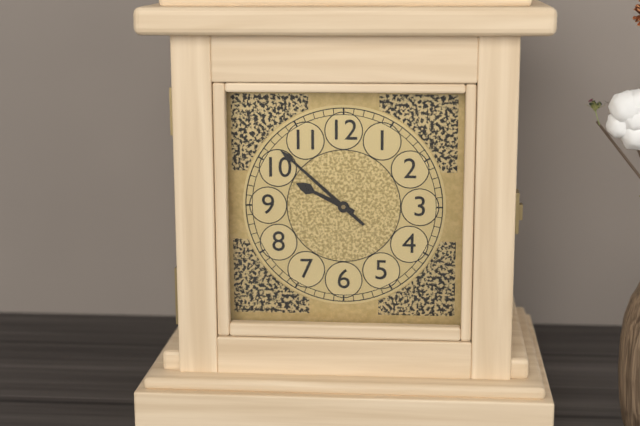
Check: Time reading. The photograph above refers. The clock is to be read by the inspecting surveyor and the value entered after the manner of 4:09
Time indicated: 9:52
